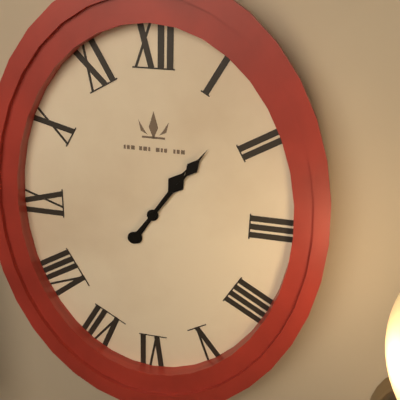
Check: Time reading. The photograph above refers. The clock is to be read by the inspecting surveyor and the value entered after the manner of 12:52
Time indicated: 1:06
